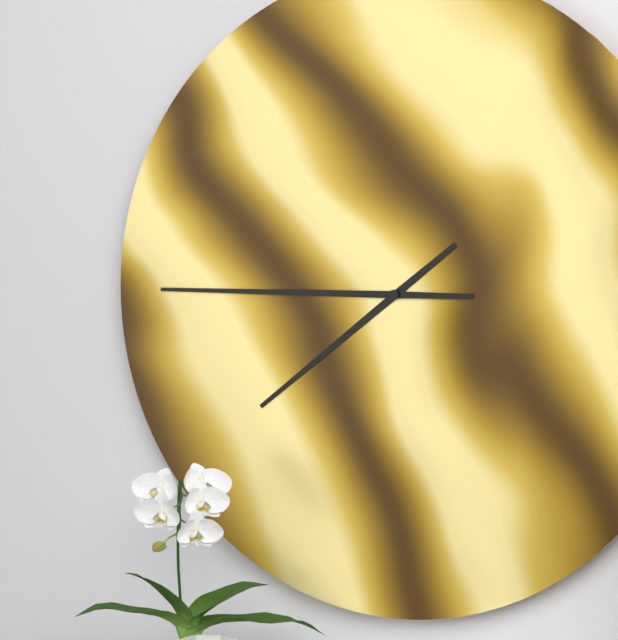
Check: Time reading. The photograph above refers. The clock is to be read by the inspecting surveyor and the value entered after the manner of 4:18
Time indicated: 7:45
